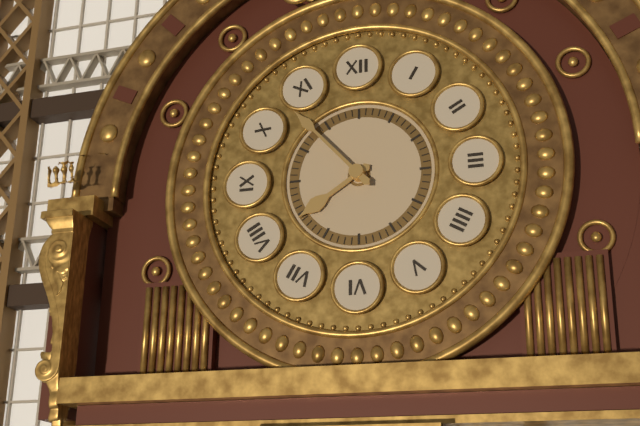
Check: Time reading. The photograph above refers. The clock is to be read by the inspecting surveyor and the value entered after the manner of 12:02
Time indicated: 7:53
